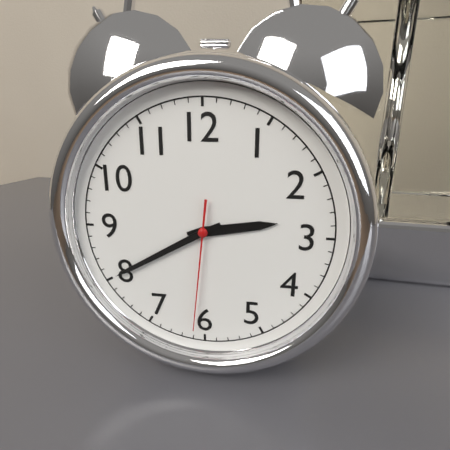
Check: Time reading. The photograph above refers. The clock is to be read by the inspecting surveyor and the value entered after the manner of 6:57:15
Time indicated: 2:40:31
